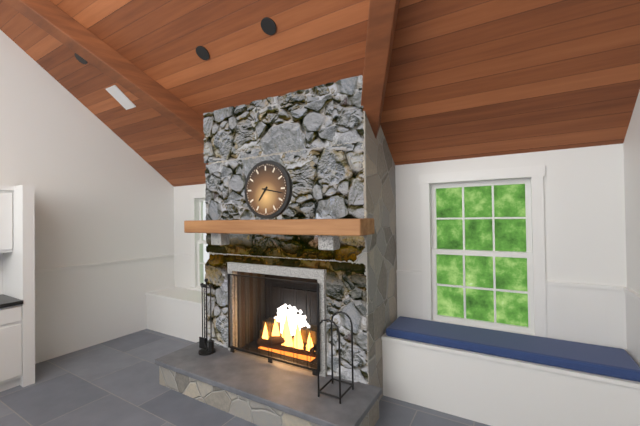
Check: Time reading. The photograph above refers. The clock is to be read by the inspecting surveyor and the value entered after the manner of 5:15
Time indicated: 7:17
